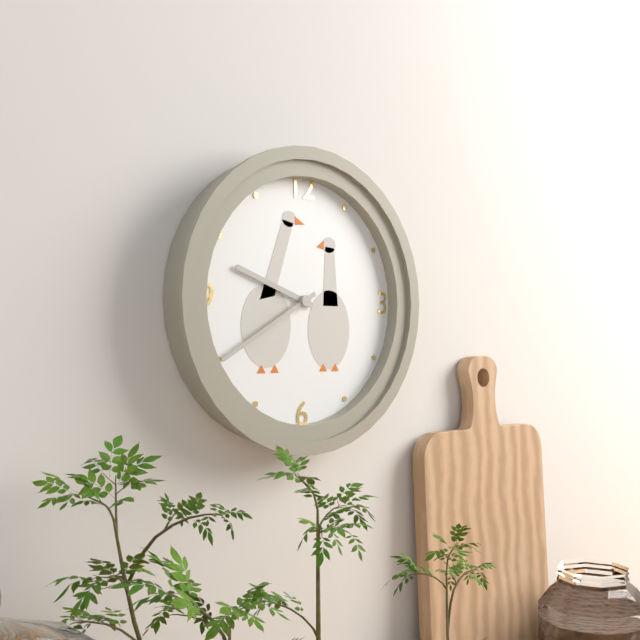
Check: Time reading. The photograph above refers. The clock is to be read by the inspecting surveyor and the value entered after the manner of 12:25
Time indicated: 9:40
